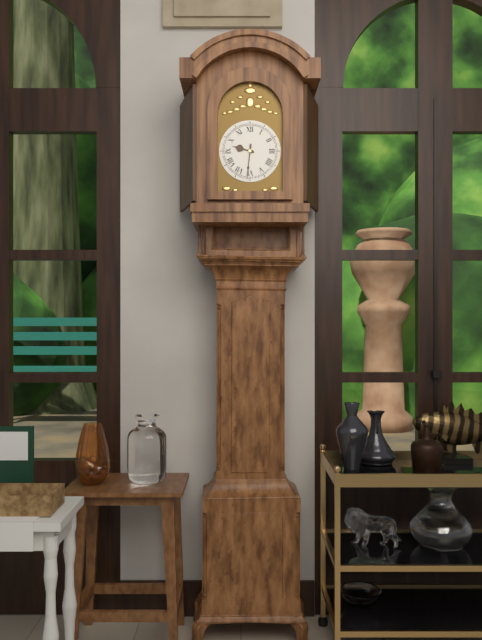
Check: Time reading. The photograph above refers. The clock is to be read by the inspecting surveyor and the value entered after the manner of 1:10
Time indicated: 9:31
